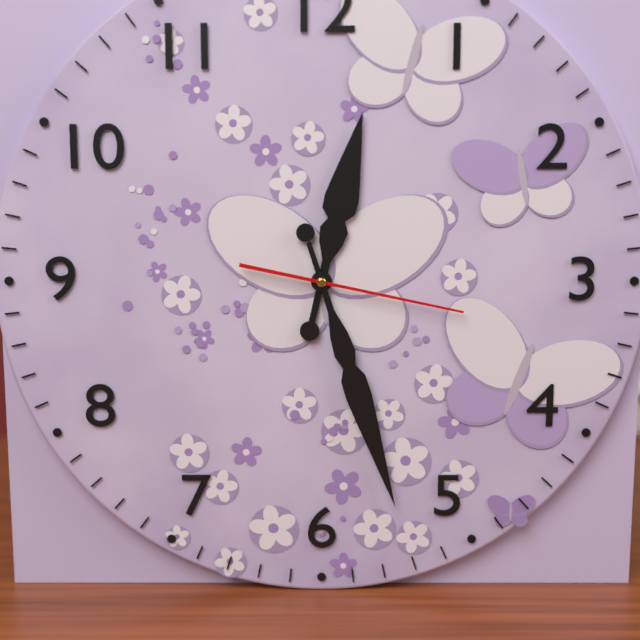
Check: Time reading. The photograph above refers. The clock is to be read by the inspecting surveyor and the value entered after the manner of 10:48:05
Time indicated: 12:27:17
